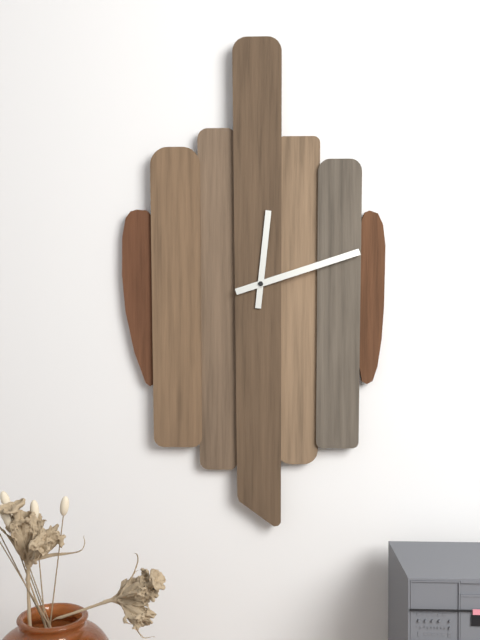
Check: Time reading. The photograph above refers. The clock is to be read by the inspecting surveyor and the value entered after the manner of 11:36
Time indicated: 12:12
